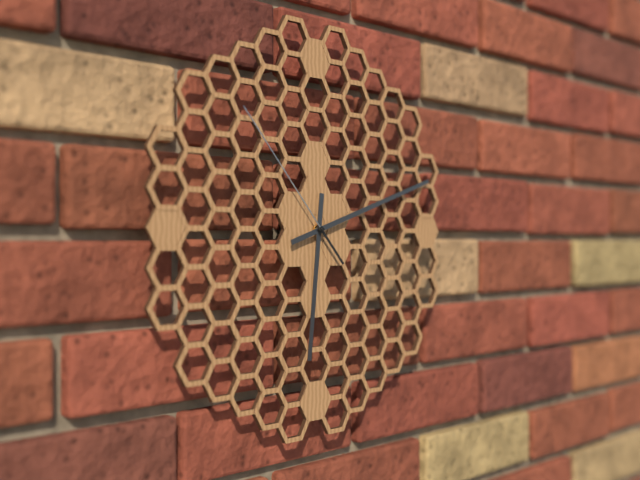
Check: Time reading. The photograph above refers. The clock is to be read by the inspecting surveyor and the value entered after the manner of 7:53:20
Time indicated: 6:12:53
